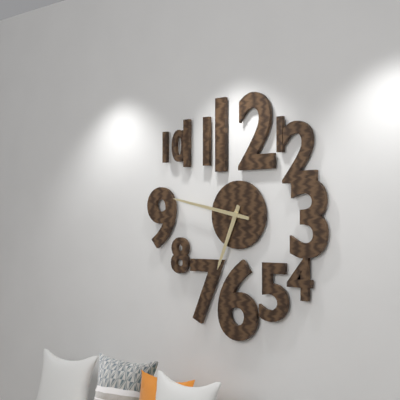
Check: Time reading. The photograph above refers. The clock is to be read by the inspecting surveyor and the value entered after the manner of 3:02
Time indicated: 6:47
